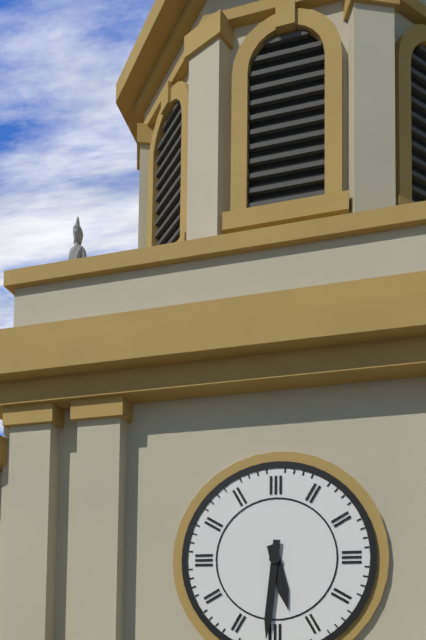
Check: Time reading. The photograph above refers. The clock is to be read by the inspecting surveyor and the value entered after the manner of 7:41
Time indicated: 5:31
